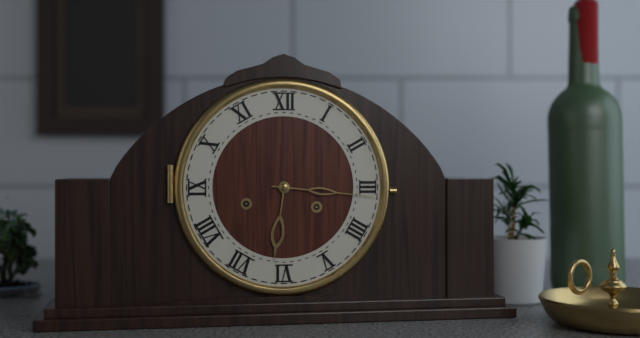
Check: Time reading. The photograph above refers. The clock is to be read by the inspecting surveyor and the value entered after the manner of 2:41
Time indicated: 6:16
